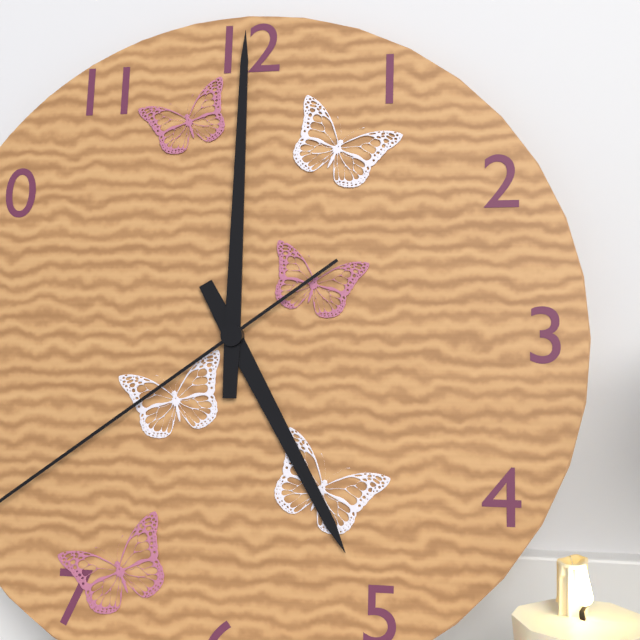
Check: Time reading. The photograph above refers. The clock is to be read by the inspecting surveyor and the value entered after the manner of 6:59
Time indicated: 5:00
